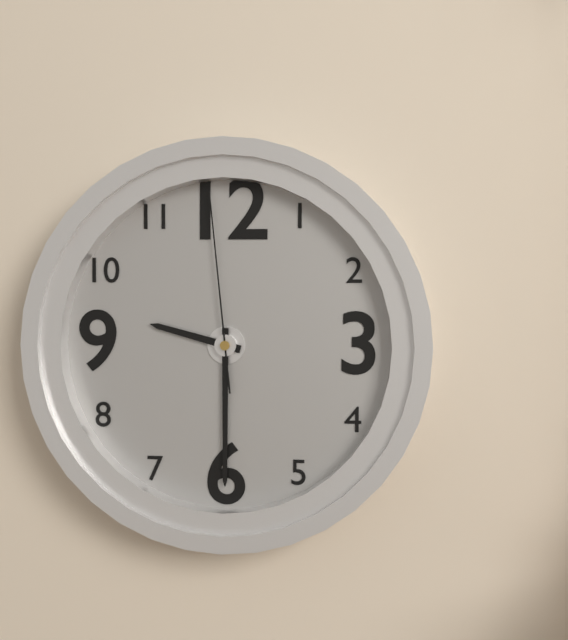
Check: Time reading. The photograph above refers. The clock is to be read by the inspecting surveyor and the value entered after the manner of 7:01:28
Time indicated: 9:30:59
